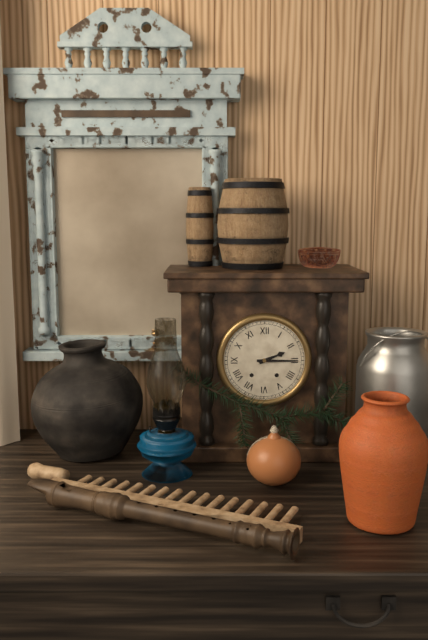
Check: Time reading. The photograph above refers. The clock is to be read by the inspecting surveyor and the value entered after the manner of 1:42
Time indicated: 2:15
